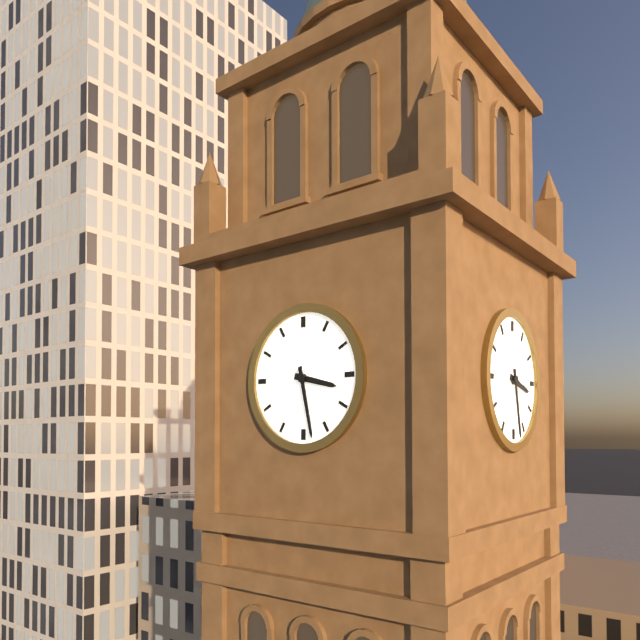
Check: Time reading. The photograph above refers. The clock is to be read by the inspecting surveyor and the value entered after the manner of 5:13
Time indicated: 3:28
